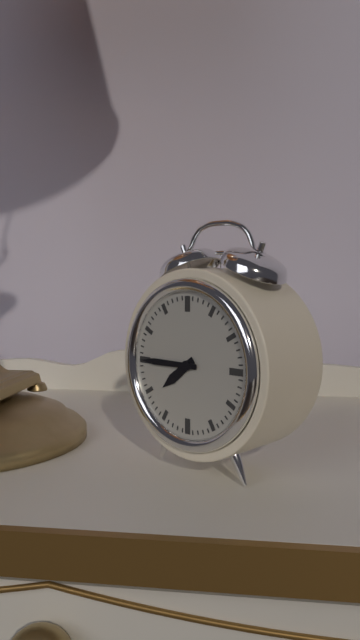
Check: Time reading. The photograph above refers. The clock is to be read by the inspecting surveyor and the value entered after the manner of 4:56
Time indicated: 7:45
